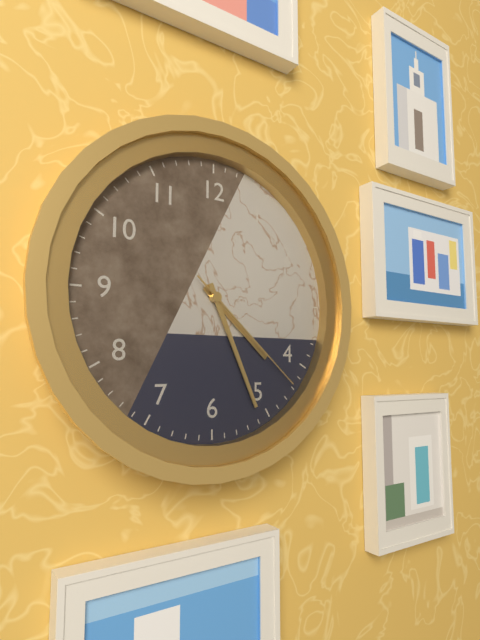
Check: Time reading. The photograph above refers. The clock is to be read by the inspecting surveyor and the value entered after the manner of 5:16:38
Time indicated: 4:26:22
